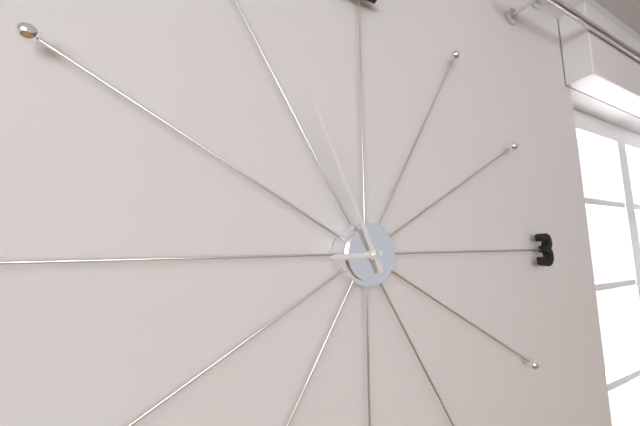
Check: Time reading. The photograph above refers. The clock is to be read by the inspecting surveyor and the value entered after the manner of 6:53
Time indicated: 8:56
